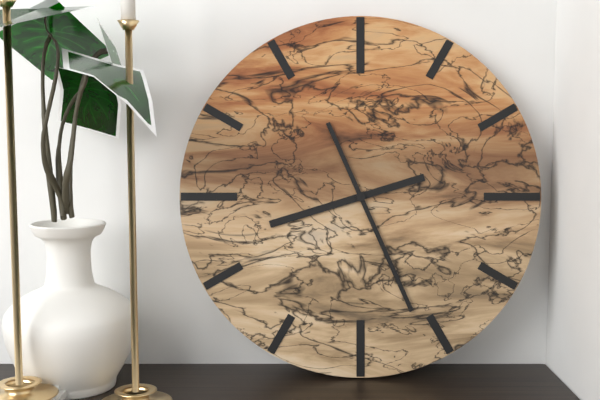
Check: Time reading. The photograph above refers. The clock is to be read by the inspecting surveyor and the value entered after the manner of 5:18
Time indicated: 8:26
